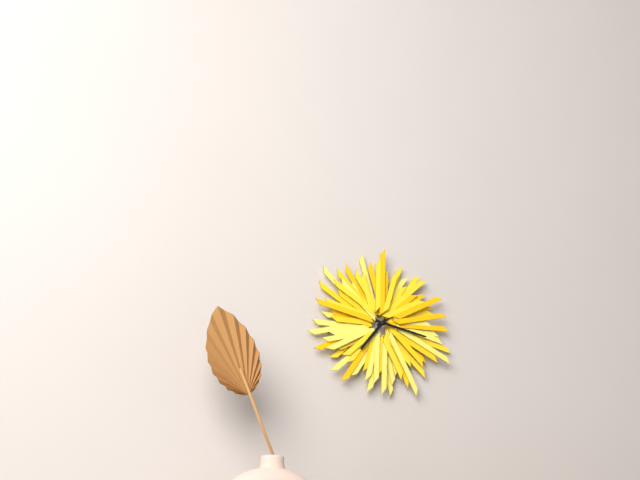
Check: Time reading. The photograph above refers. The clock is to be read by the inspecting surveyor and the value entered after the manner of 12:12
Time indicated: 7:17
